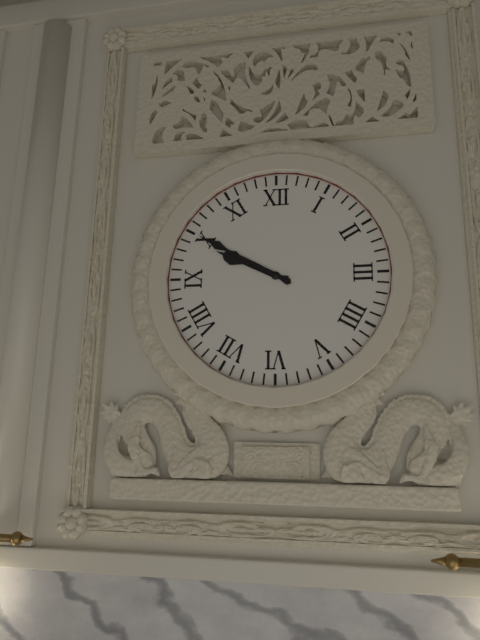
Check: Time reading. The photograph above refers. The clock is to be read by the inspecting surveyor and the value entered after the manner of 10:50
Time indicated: 9:50
